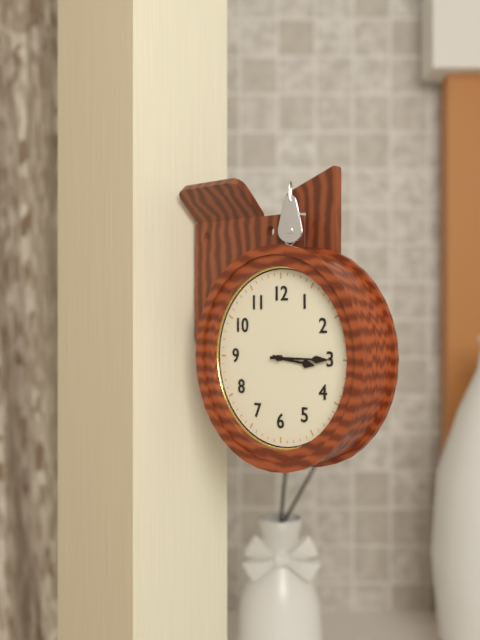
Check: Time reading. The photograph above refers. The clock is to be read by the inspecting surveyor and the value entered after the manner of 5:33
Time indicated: 3:15
